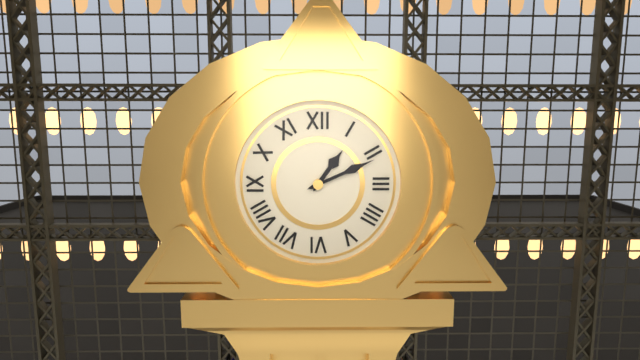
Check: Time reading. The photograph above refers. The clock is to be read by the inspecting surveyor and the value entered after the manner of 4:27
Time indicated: 1:11
